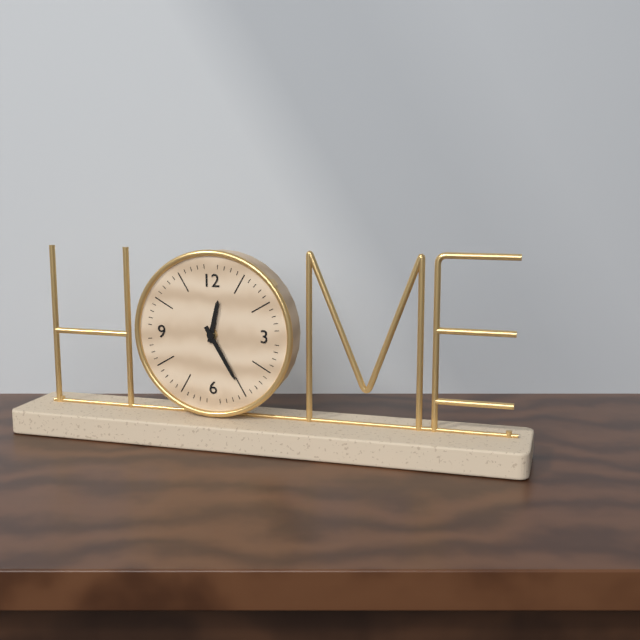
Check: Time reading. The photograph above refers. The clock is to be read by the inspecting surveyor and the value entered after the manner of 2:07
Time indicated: 12:25
